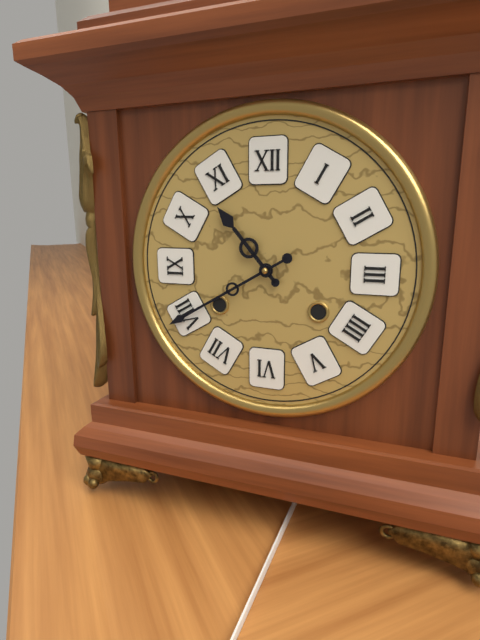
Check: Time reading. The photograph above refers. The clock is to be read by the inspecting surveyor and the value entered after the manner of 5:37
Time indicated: 10:40
